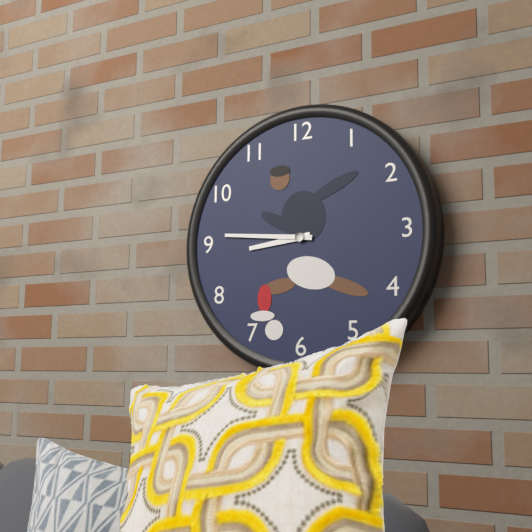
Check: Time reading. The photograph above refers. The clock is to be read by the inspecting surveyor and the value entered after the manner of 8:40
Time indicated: 8:46
